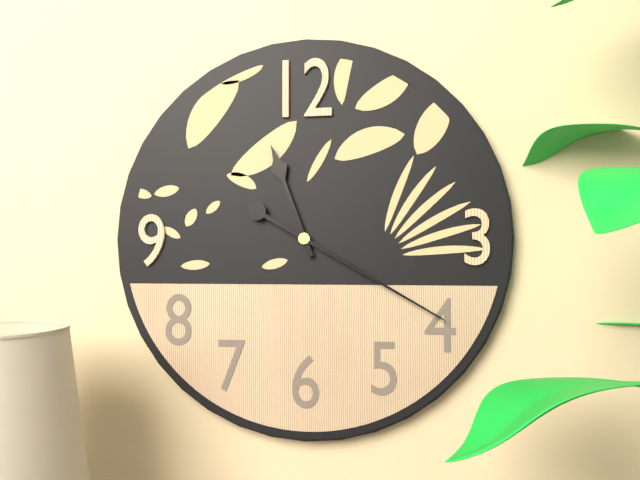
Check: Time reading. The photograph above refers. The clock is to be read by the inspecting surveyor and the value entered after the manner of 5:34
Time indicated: 11:20
